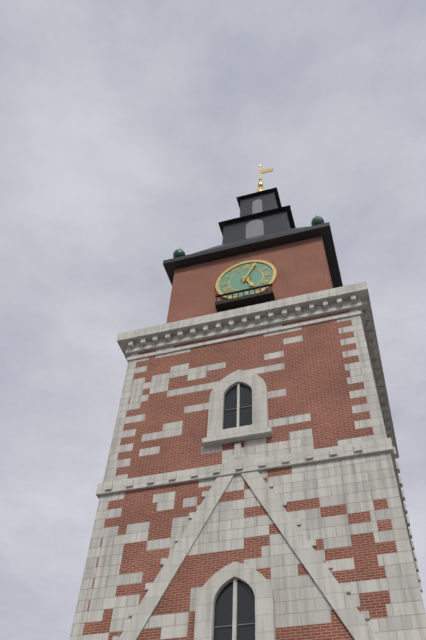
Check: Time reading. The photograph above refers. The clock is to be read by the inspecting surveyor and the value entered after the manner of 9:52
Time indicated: 5:04
